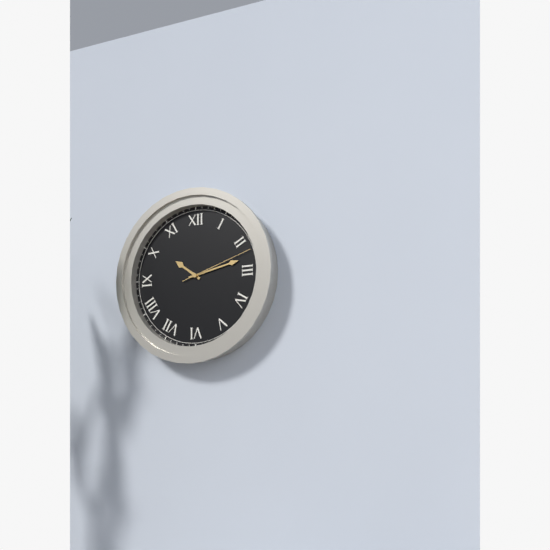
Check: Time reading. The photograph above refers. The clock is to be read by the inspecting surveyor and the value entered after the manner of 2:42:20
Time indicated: 10:13:12
